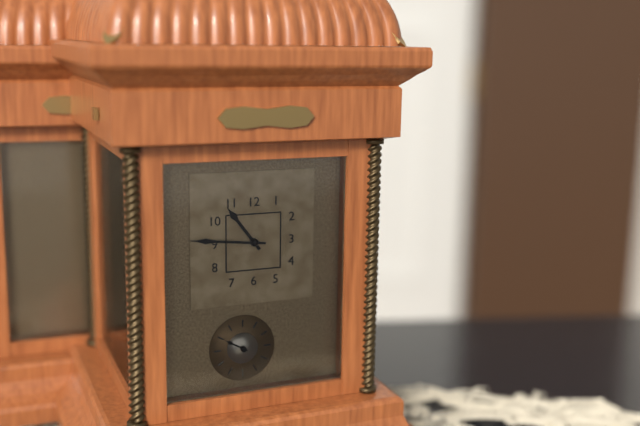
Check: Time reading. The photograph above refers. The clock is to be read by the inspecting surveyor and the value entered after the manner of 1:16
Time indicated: 10:46
